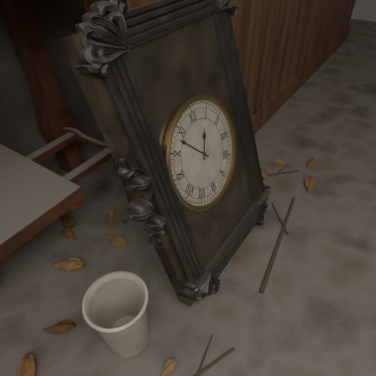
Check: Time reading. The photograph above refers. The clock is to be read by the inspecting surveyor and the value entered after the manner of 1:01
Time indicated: 12:53
